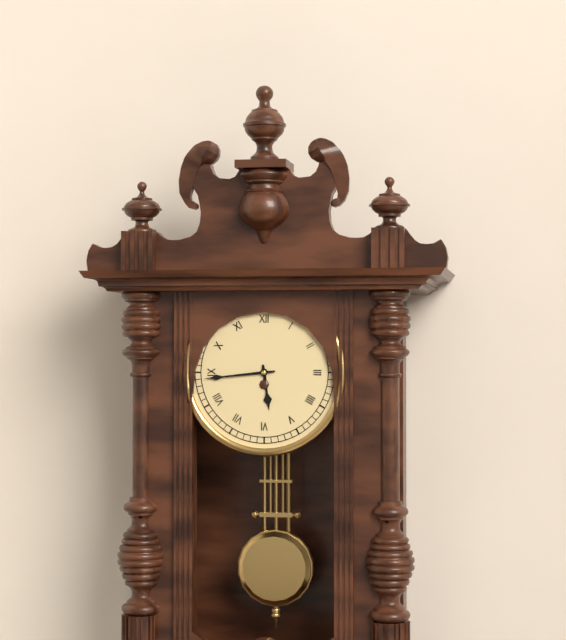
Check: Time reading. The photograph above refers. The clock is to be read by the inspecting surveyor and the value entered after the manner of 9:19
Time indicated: 5:44
